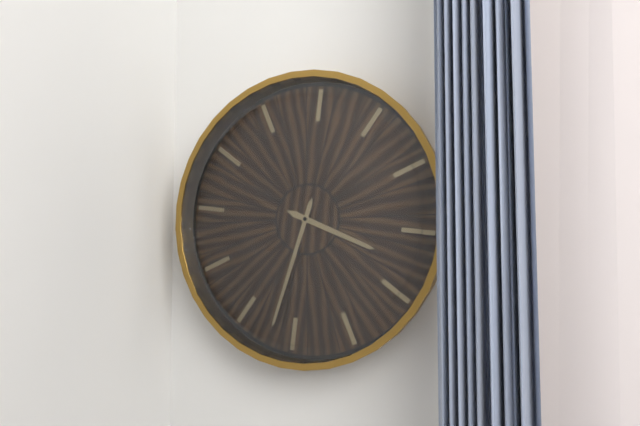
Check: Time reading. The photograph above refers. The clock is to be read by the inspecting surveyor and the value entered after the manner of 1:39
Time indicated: 3:32
